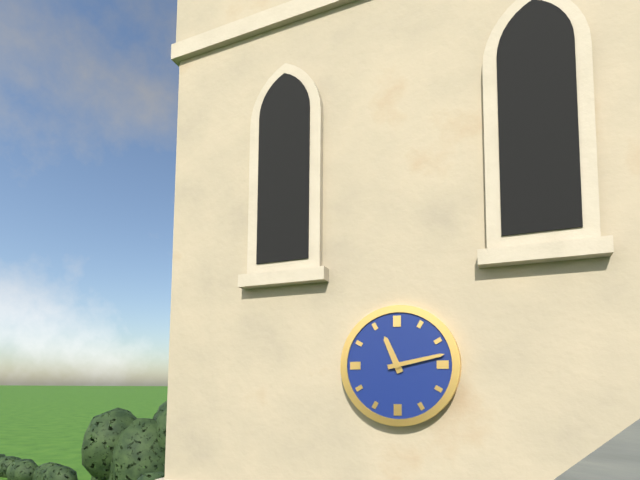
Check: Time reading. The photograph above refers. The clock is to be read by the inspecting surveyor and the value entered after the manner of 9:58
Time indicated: 11:13
